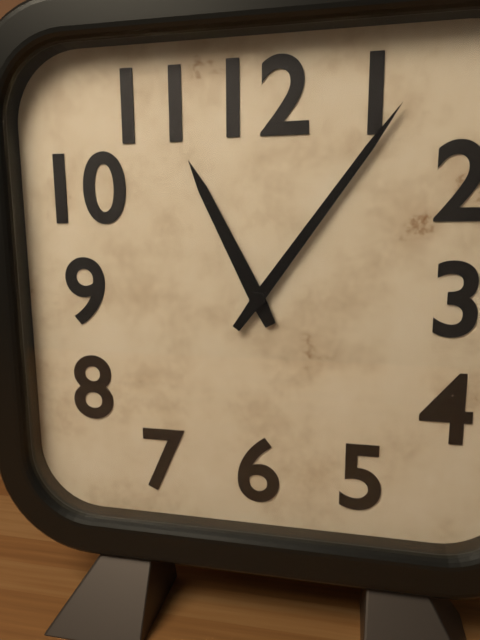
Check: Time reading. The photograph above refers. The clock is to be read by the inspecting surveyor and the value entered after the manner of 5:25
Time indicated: 11:06
